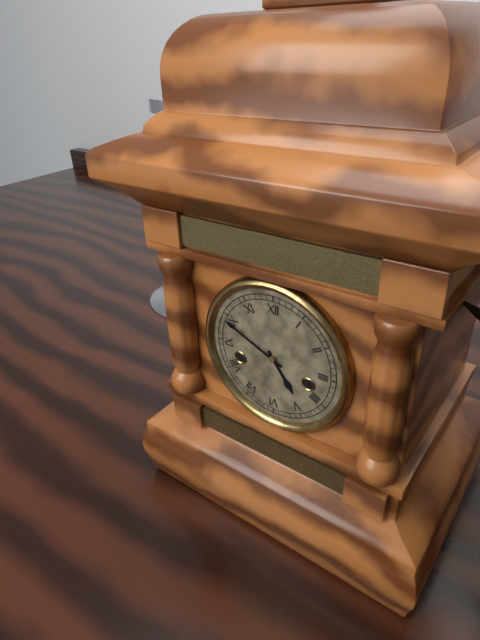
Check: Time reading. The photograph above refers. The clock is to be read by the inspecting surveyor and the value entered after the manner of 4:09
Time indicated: 4:49
